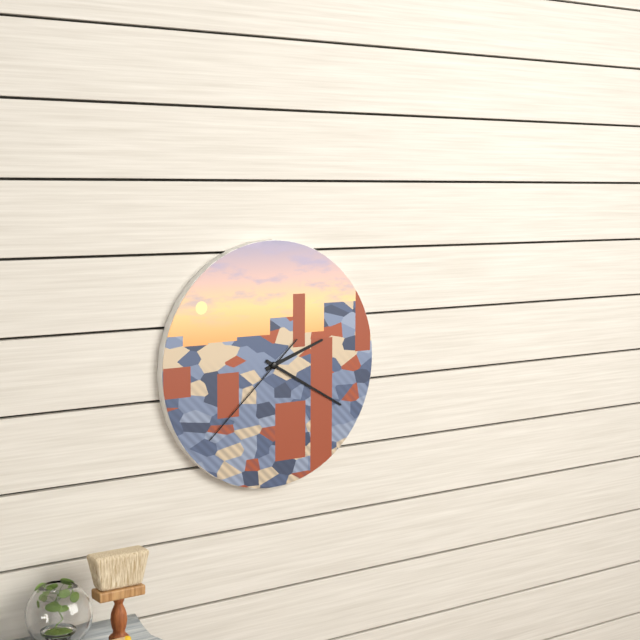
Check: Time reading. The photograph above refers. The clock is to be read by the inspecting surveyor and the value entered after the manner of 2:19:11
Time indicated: 2:20:38
